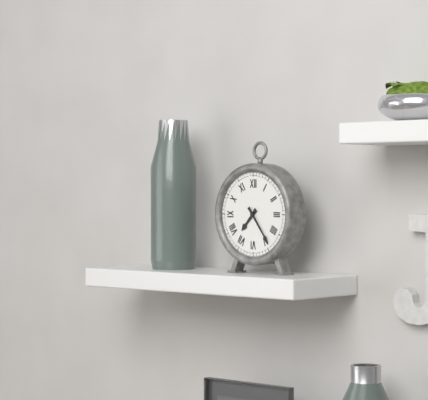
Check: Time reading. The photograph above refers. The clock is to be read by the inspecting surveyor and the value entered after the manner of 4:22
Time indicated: 7:24
